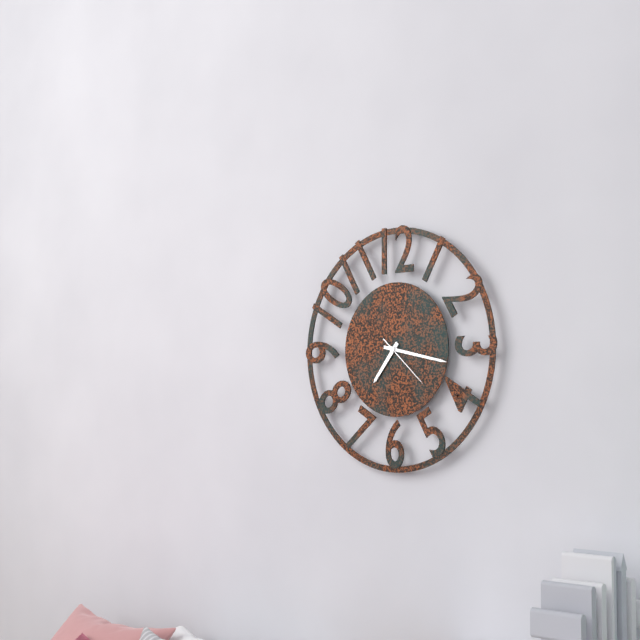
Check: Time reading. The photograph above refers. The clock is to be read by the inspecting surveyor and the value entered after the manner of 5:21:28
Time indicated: 7:17:22
